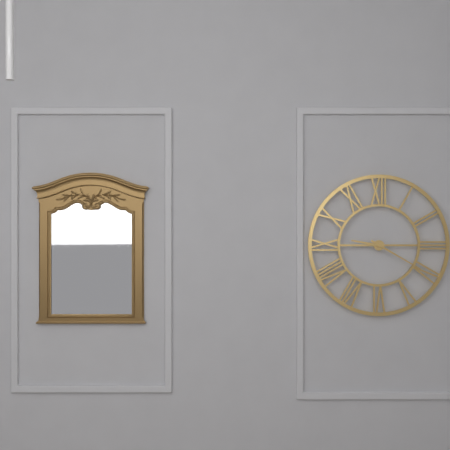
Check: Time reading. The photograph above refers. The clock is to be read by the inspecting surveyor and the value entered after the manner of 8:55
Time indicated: 9:20
